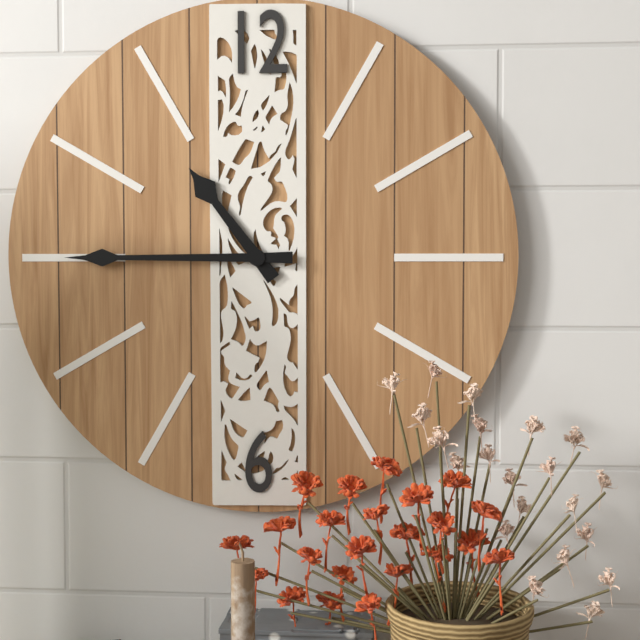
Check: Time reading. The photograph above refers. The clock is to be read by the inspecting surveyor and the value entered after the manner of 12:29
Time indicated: 10:45
